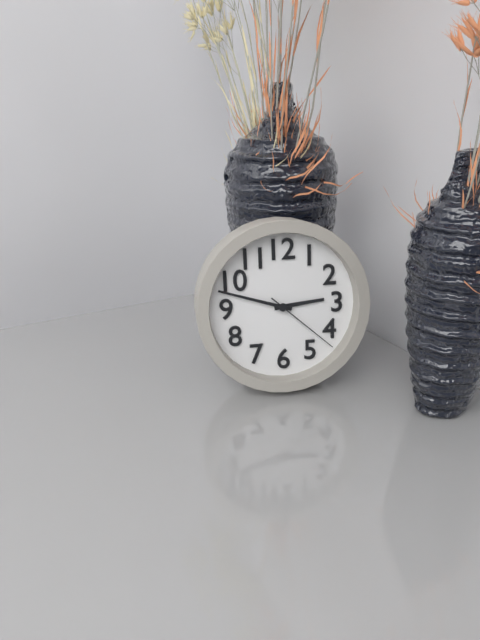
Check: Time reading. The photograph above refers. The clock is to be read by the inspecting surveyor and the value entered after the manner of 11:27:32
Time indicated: 2:48:22
